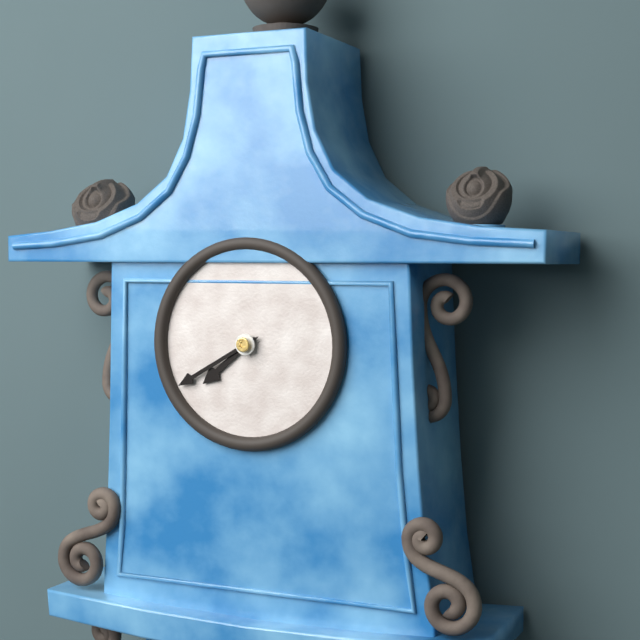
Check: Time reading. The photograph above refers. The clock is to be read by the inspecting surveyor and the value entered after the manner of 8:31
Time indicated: 7:40
